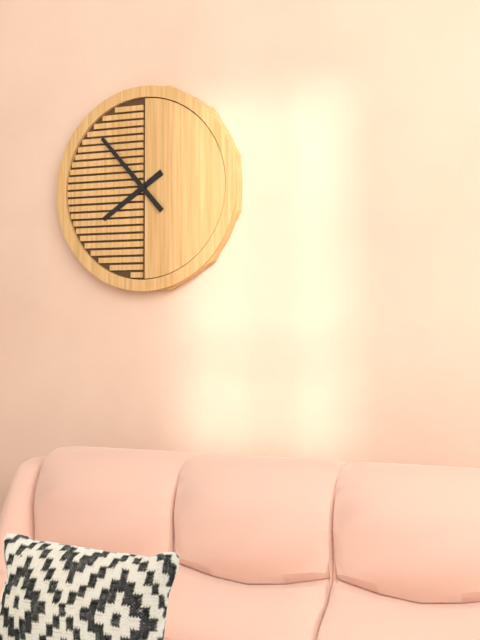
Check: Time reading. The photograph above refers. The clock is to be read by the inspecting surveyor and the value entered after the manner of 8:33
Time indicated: 7:53
